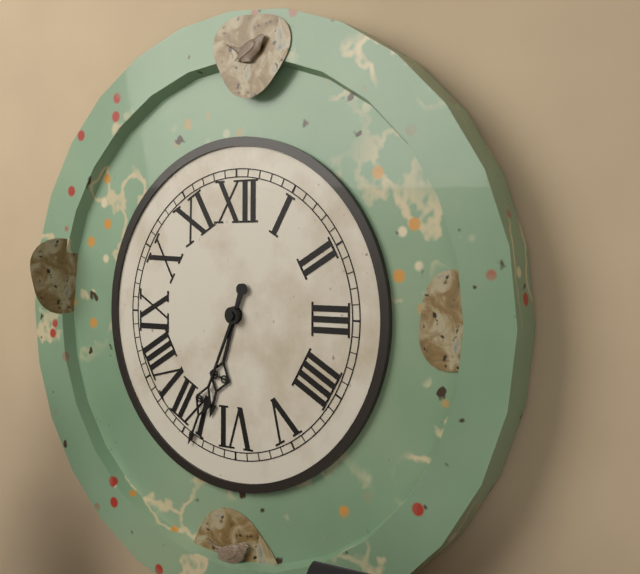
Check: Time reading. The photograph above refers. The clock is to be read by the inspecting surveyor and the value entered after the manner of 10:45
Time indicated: 6:34
